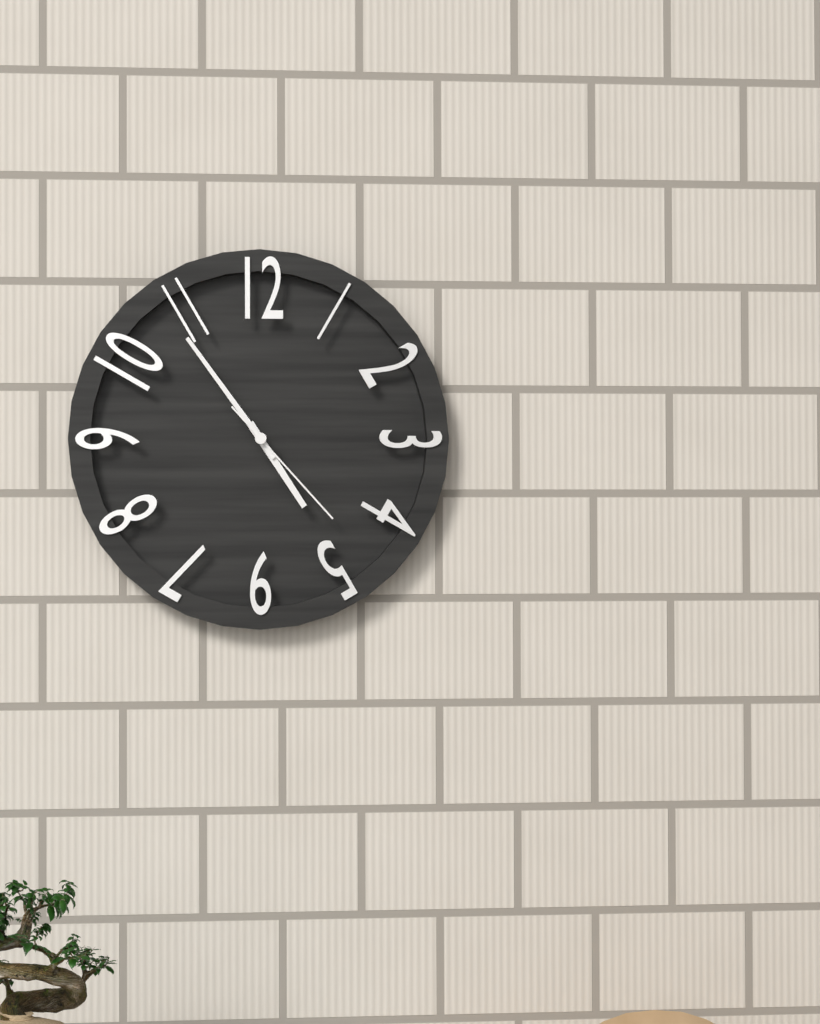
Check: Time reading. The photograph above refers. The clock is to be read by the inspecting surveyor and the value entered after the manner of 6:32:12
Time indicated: 4:54:23
